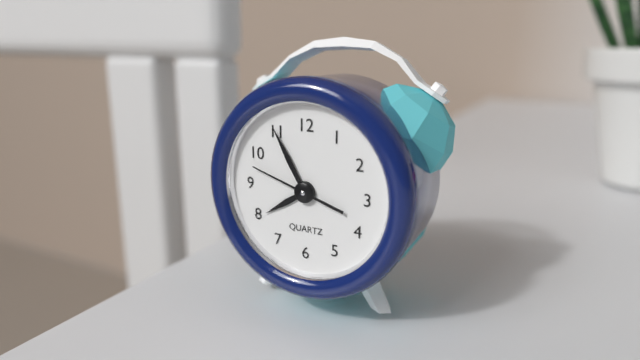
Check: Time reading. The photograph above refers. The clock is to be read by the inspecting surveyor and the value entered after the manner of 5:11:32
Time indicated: 7:55:48
